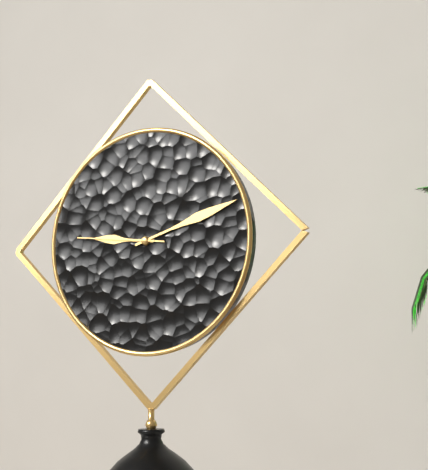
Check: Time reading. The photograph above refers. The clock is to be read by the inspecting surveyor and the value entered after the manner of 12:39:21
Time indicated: 9:12:46
